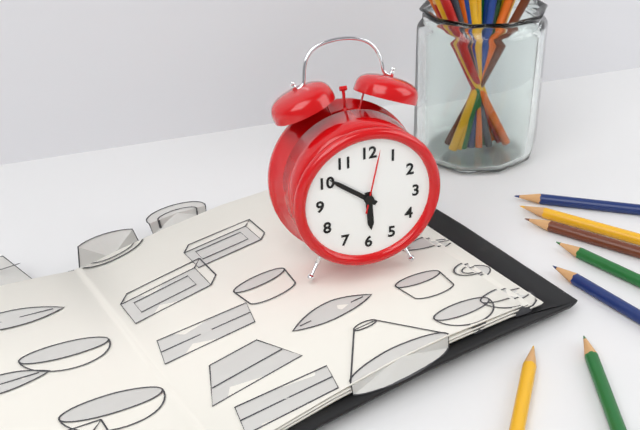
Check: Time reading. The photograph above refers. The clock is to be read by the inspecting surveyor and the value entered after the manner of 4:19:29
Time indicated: 5:51:02
